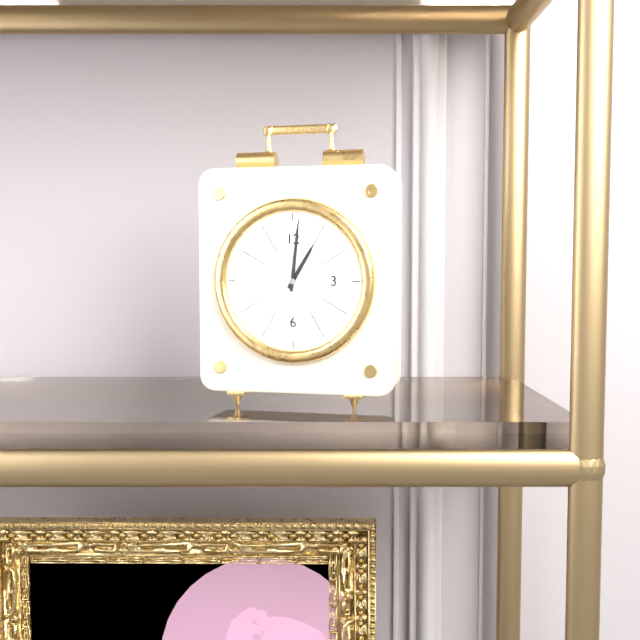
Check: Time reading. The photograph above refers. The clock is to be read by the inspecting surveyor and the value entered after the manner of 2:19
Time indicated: 1:01
